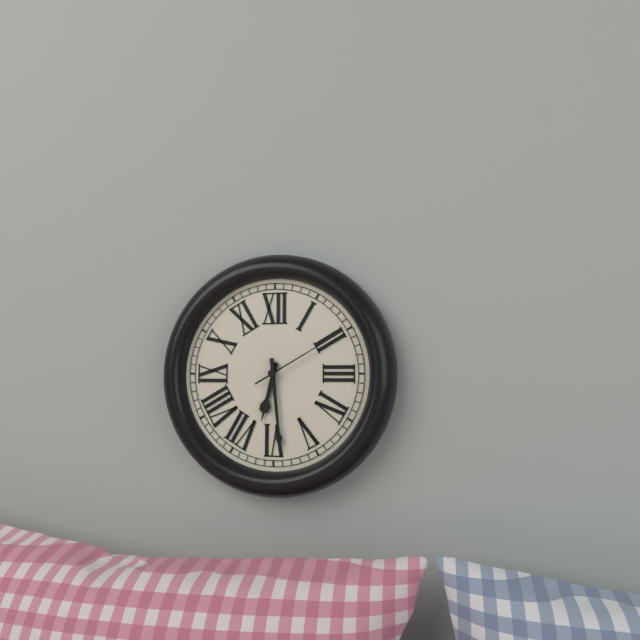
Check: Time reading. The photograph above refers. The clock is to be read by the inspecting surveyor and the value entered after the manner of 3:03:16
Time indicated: 6:29:10
